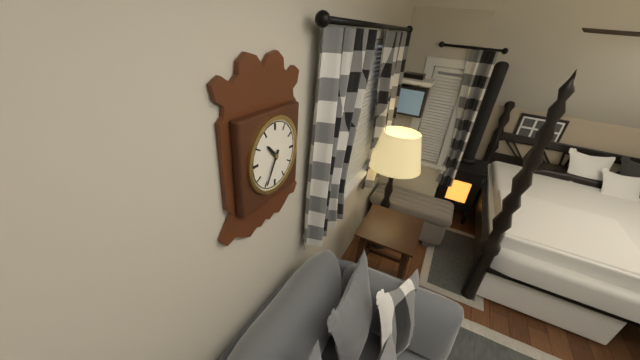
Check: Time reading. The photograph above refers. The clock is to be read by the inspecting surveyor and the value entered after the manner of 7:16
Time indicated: 10:35
